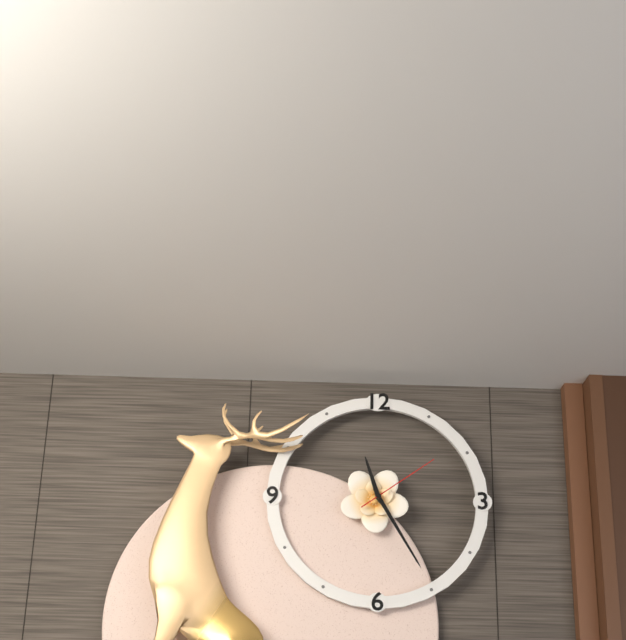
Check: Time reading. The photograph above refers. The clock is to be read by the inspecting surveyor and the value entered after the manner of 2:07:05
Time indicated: 11:25:09
